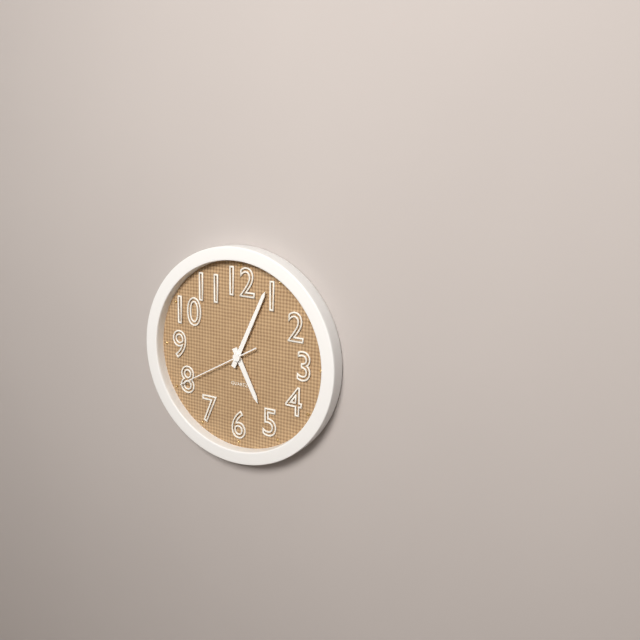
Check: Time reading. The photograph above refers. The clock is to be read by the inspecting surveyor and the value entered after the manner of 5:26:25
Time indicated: 5:04:40
